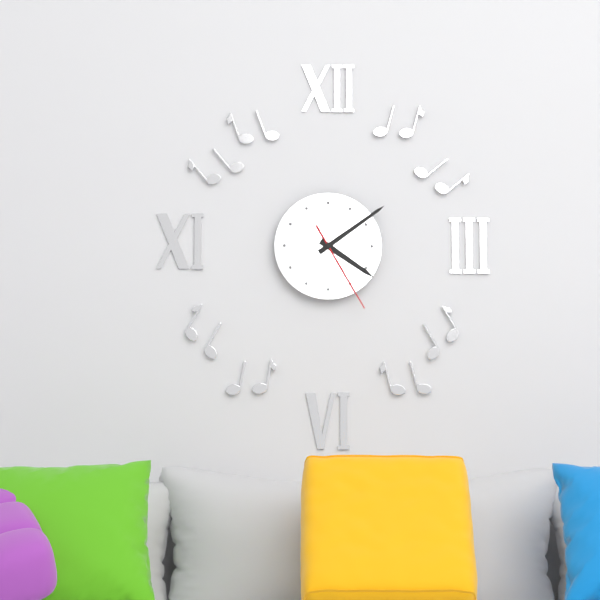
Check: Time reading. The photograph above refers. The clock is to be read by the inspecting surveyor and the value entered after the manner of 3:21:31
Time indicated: 4:09:25
